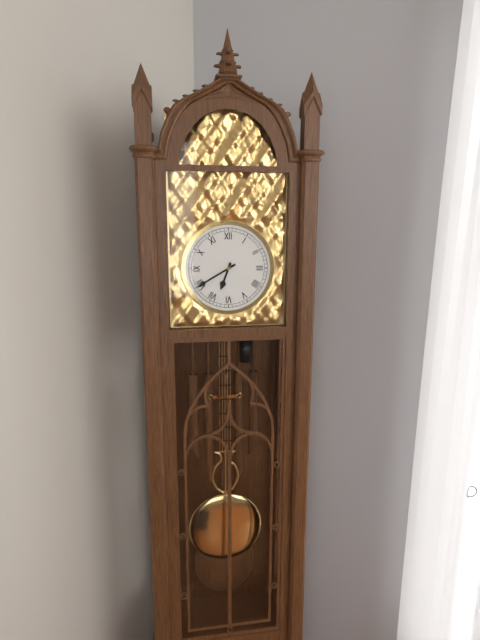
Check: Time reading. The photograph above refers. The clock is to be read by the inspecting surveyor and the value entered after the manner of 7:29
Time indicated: 6:40
